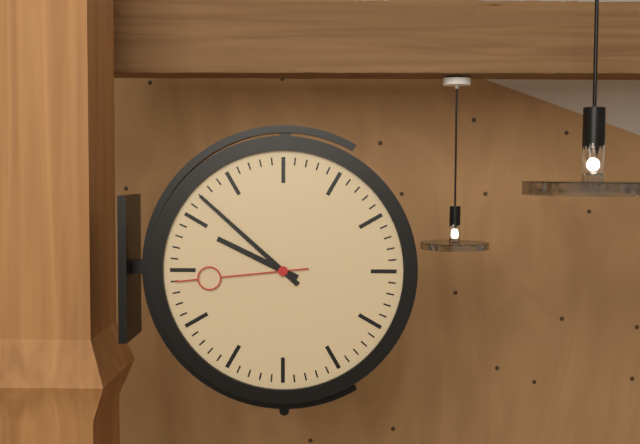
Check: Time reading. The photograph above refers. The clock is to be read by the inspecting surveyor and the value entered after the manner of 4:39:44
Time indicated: 9:52:44
